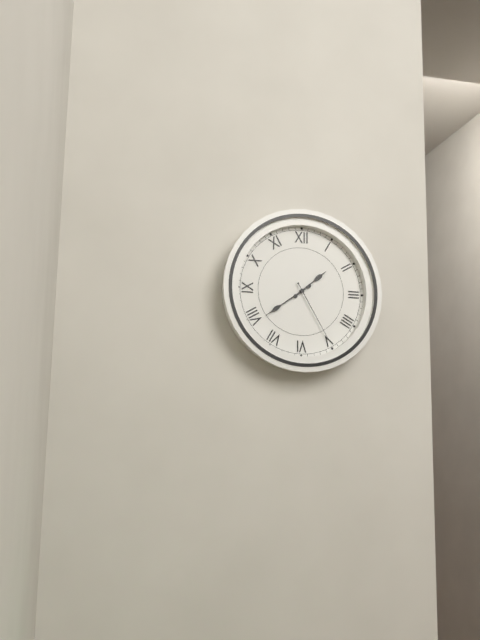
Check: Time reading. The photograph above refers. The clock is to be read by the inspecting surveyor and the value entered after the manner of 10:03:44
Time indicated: 1:39:25
